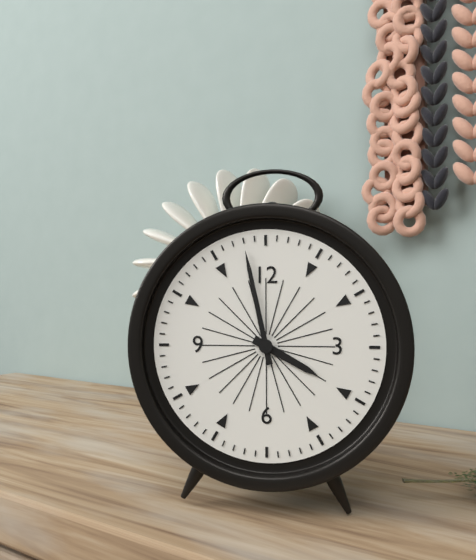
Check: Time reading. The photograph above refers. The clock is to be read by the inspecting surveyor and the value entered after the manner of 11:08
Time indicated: 3:58
